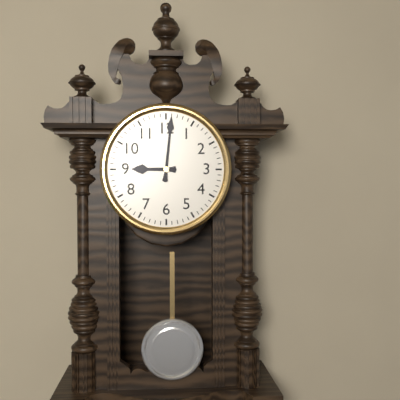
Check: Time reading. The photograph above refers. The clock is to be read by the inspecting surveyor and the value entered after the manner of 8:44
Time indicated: 9:01
